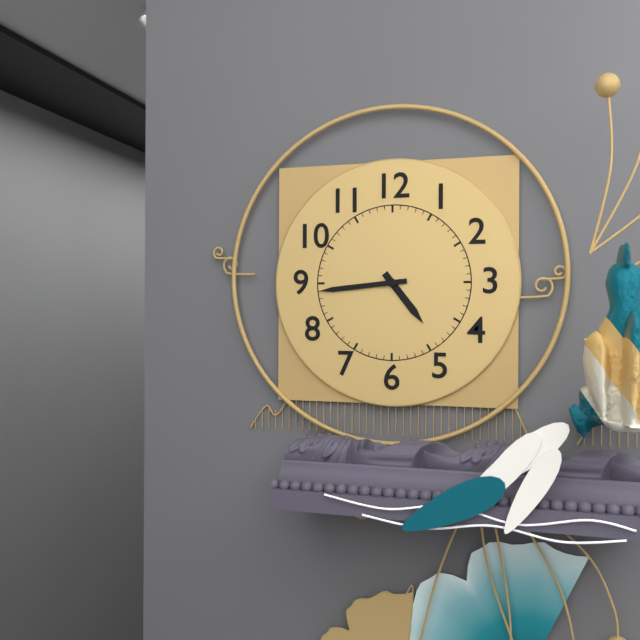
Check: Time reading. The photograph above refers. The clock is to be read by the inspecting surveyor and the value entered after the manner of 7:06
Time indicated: 4:44
